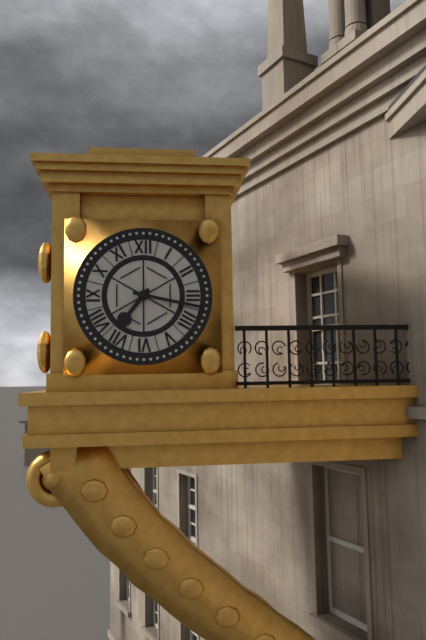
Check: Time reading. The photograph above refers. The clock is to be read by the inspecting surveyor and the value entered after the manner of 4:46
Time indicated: 7:17
